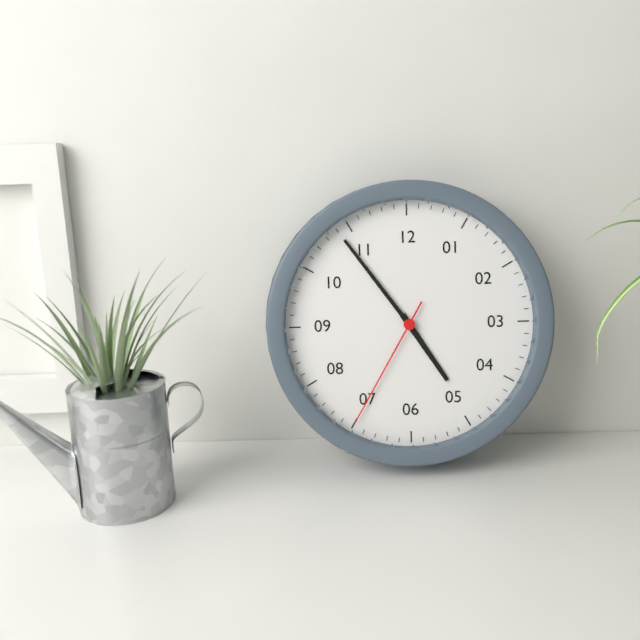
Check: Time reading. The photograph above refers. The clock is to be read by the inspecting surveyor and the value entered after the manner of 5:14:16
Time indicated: 4:54:35
